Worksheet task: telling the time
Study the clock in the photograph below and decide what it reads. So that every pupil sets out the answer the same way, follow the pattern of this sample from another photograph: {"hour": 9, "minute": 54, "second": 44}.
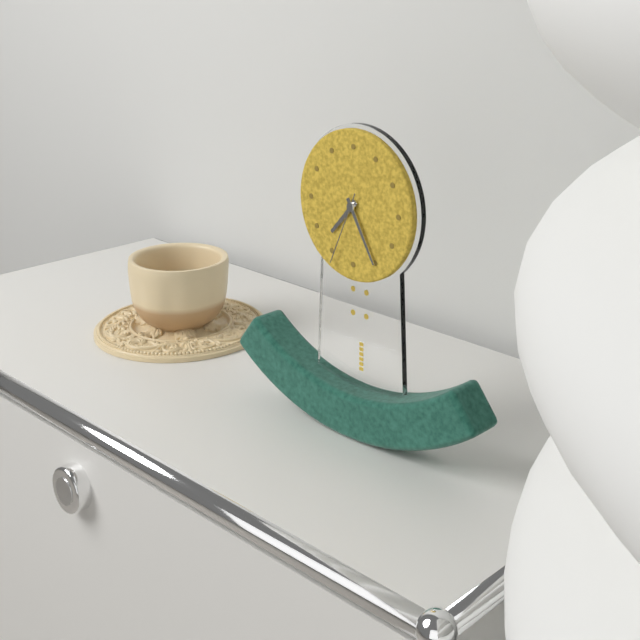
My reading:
{"hour": 7, "minute": 25, "second": 34}
